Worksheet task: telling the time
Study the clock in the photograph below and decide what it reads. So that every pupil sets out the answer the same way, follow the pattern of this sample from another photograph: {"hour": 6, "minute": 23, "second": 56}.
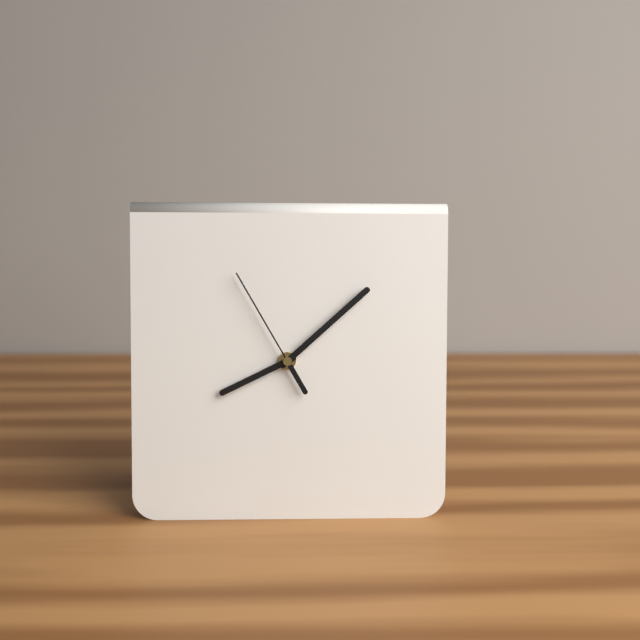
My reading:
{"hour": 8, "minute": 8, "second": 55}
